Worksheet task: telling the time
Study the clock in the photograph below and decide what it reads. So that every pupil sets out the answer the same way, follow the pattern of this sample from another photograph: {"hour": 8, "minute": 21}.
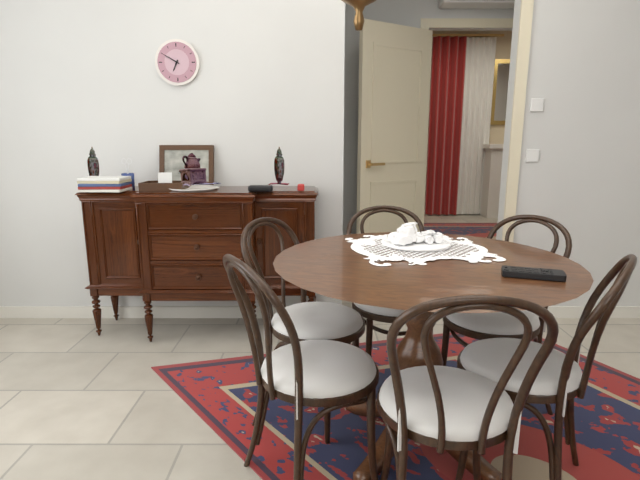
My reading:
{"hour": 6, "minute": 50}
